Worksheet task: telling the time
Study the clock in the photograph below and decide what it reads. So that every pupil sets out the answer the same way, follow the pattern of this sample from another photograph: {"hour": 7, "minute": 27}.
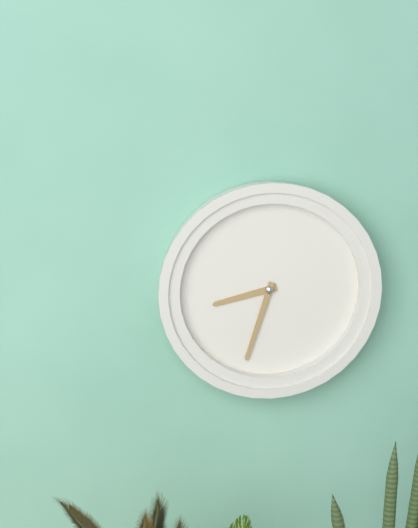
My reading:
{"hour": 8, "minute": 33}
